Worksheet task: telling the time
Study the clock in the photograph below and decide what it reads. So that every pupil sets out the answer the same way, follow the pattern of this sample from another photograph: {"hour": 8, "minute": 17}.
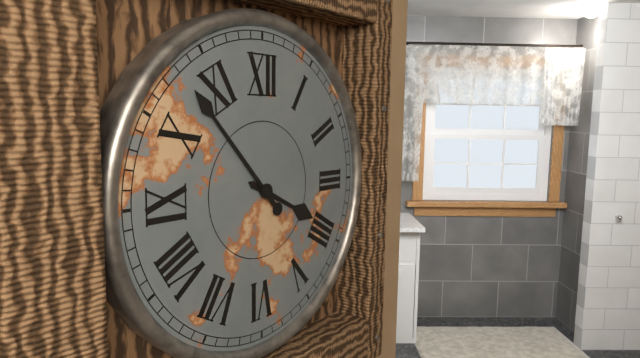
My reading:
{"hour": 3, "minute": 53}
